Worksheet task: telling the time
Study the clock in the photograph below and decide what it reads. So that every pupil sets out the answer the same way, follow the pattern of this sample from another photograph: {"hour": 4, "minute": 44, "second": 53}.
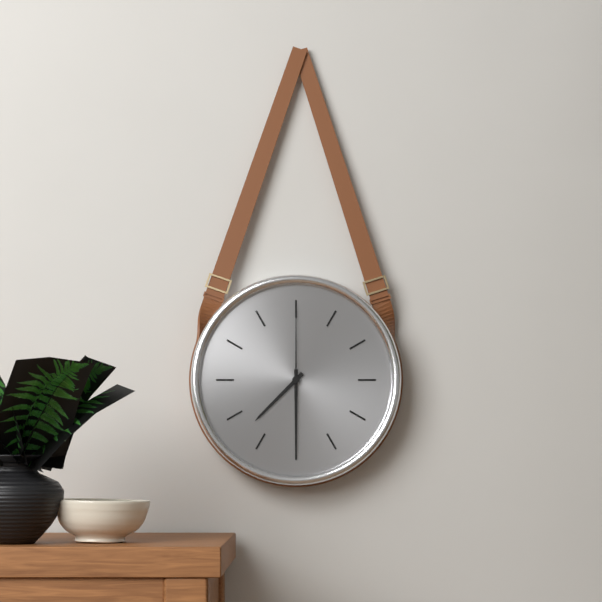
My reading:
{"hour": 7, "minute": 30, "second": 0}
